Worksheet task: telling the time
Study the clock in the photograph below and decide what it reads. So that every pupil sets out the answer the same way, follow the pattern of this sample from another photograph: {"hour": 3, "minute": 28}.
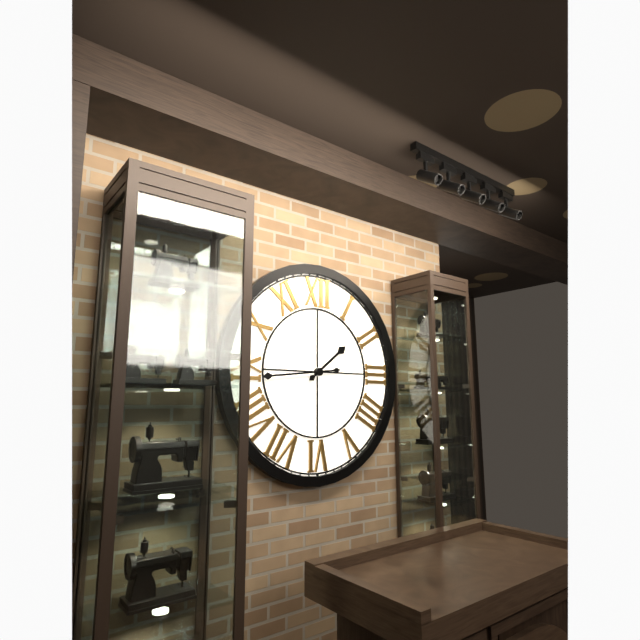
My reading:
{"hour": 1, "minute": 44}
